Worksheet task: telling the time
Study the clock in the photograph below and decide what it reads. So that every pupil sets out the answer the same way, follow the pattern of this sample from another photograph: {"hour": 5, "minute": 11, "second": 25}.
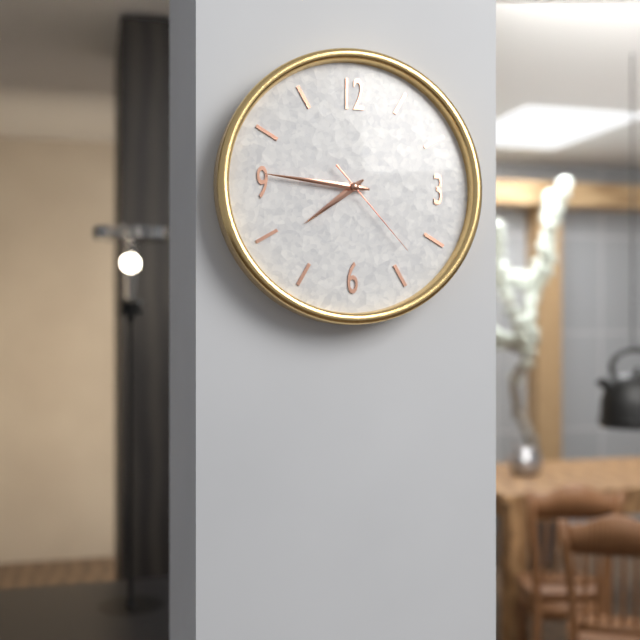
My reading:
{"hour": 7, "minute": 46, "second": 23}
